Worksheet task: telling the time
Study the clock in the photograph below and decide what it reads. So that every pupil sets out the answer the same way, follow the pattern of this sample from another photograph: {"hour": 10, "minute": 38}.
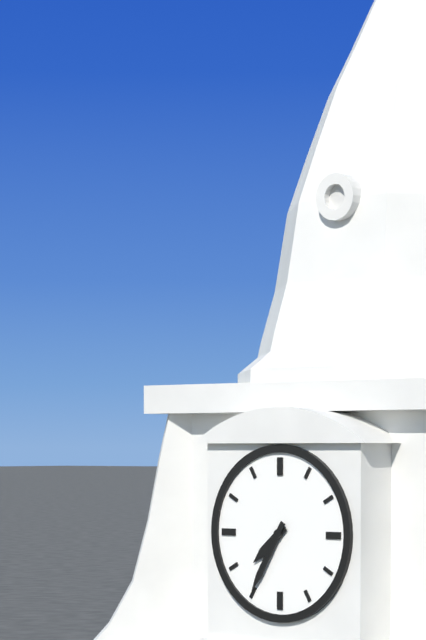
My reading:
{"hour": 7, "minute": 35}
